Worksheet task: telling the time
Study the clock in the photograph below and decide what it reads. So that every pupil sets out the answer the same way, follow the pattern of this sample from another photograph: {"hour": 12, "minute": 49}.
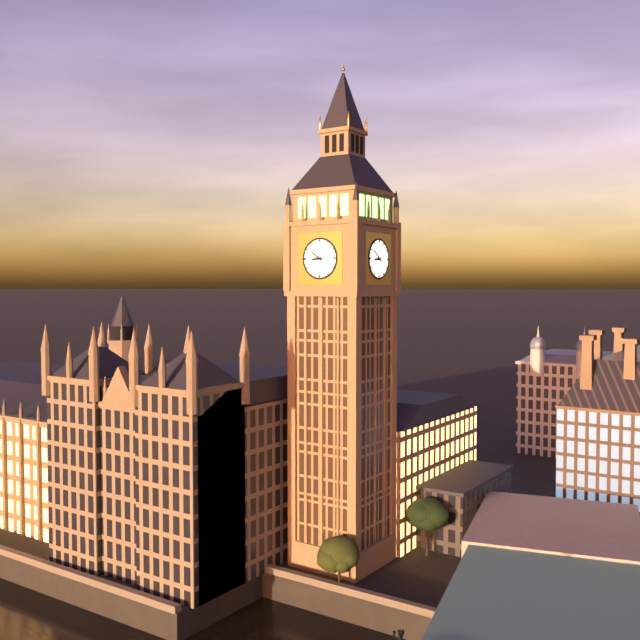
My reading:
{"hour": 8, "minute": 51}
